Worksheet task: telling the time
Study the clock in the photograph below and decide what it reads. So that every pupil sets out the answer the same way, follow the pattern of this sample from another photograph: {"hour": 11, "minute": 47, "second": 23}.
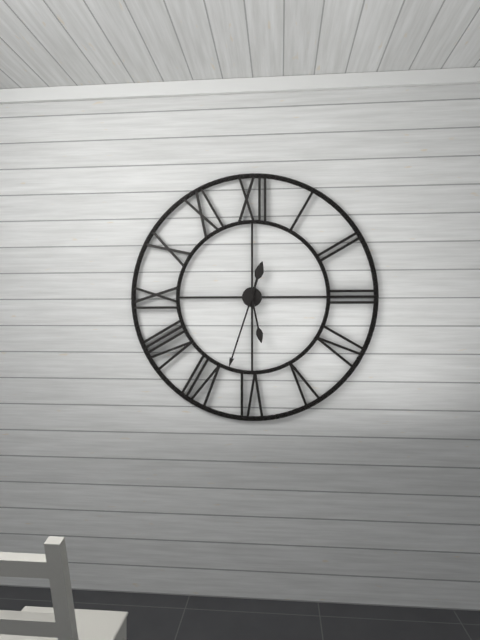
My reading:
{"hour": 12, "minute": 33, "second": 28}
